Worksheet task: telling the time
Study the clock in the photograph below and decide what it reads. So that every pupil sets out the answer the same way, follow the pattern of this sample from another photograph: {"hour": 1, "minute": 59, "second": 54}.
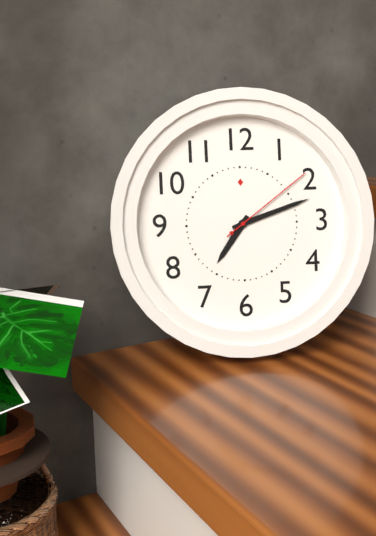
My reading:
{"hour": 7, "minute": 12, "second": 9}
